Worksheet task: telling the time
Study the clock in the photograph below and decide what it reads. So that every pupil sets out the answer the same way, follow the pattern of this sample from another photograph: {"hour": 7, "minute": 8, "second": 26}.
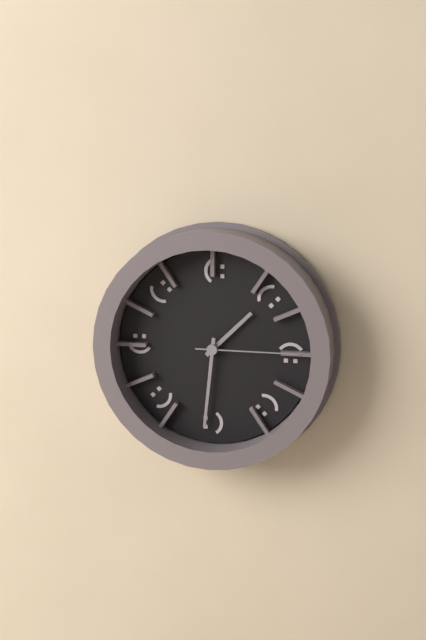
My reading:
{"hour": 1, "minute": 31, "second": 15}
